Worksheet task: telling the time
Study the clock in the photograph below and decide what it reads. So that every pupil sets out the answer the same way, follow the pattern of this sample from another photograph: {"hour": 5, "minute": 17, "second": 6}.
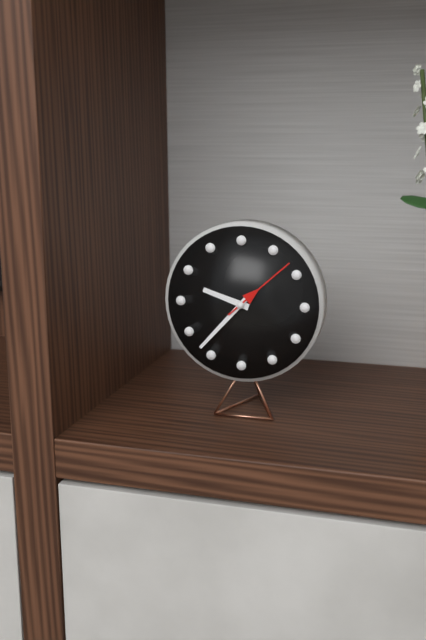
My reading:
{"hour": 9, "minute": 37, "second": 8}
